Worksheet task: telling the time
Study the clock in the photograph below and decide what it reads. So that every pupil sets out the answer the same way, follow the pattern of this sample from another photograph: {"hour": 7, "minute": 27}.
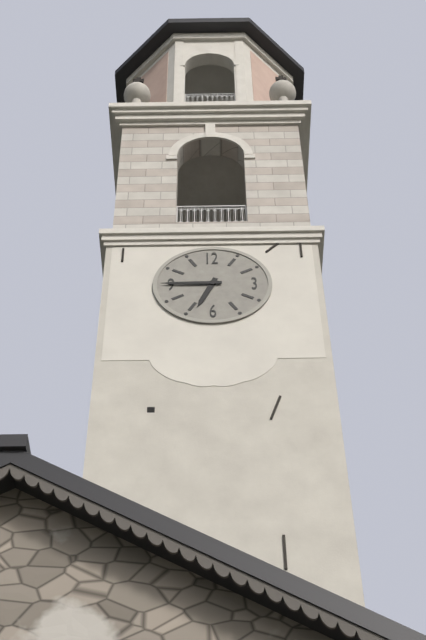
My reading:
{"hour": 6, "minute": 45}
